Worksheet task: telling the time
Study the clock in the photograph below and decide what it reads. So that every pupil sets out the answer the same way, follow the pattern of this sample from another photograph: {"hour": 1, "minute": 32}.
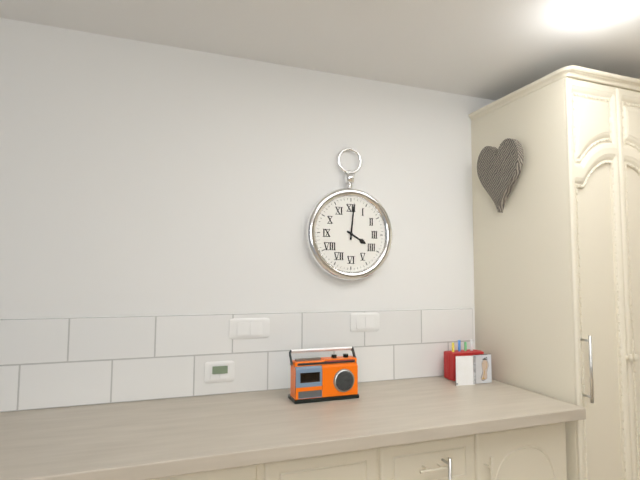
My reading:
{"hour": 4, "minute": 1}
